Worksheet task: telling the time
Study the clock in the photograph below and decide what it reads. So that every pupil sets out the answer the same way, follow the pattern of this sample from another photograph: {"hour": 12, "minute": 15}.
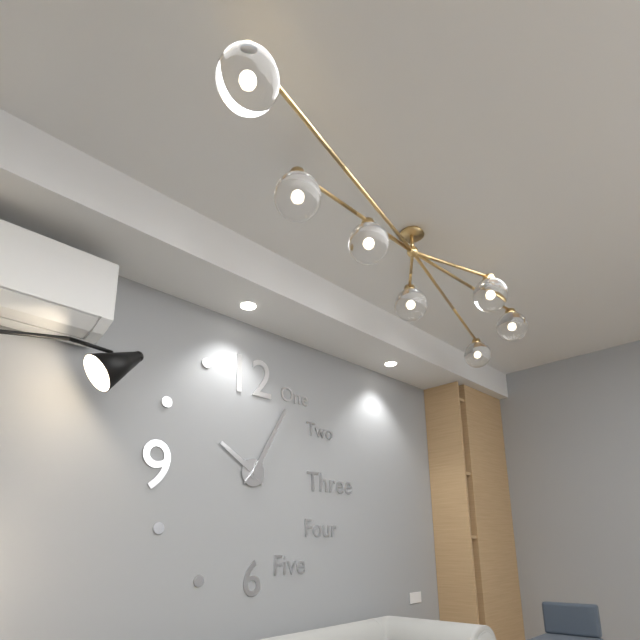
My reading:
{"hour": 10, "minute": 5}
